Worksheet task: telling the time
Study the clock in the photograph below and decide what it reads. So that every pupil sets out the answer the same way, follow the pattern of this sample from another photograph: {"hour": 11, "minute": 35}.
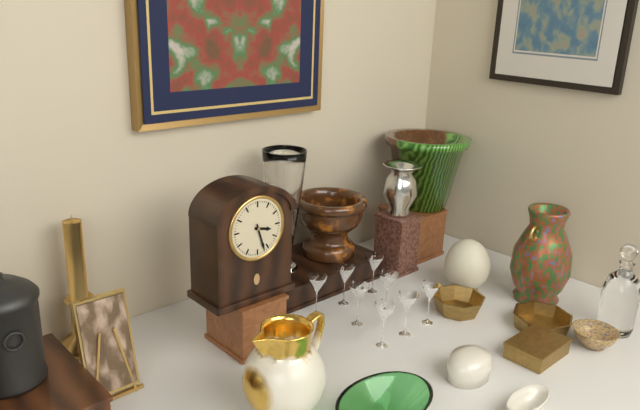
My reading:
{"hour": 3, "minute": 27}
